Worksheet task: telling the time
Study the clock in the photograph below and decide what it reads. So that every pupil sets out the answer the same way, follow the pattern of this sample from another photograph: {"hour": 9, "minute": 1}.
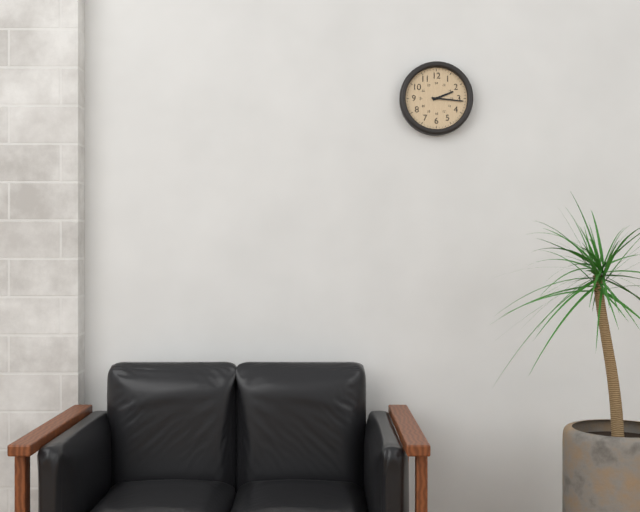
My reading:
{"hour": 2, "minute": 16}
